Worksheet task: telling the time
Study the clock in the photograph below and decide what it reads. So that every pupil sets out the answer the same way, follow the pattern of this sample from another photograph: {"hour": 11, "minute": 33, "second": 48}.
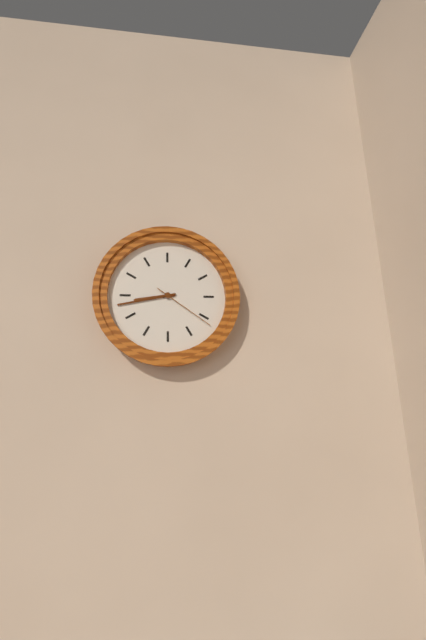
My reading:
{"hour": 8, "minute": 43, "second": 21}
